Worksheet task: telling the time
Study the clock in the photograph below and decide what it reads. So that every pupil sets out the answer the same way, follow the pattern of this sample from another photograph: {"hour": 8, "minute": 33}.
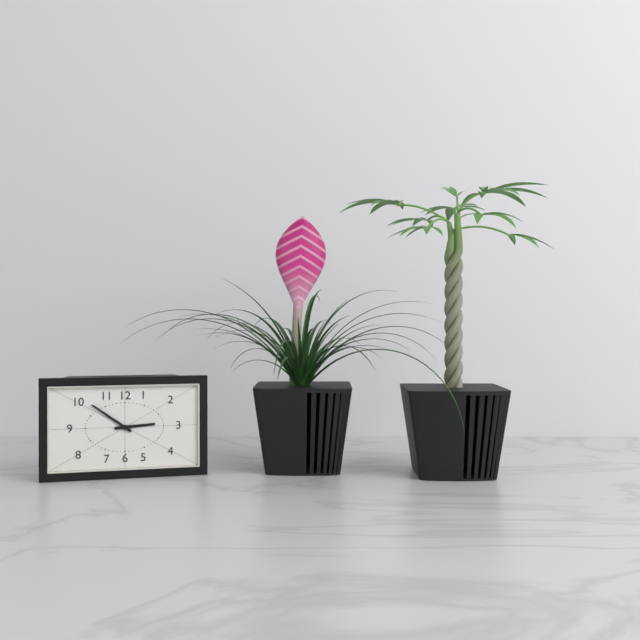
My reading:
{"hour": 2, "minute": 51}
